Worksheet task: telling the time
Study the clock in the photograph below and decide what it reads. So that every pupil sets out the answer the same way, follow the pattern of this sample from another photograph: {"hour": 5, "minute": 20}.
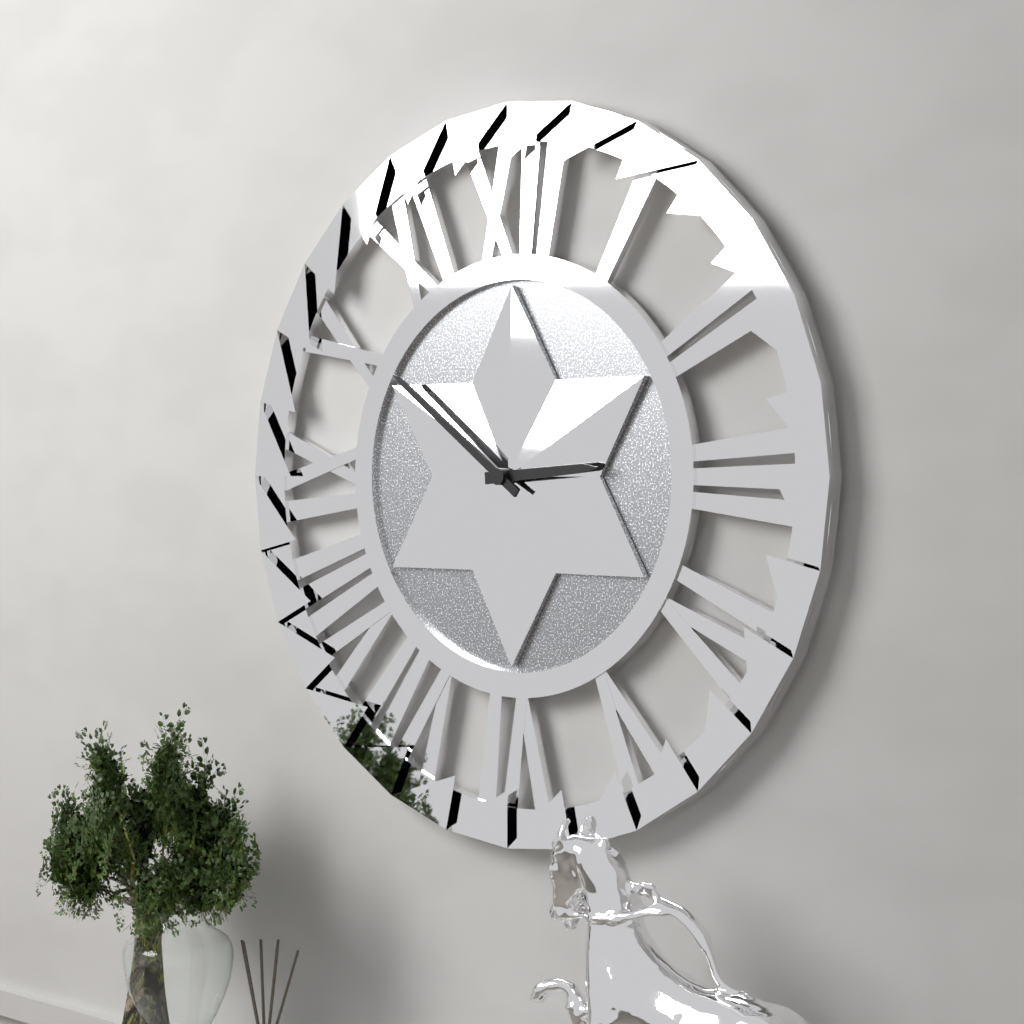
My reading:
{"hour": 2, "minute": 51}
